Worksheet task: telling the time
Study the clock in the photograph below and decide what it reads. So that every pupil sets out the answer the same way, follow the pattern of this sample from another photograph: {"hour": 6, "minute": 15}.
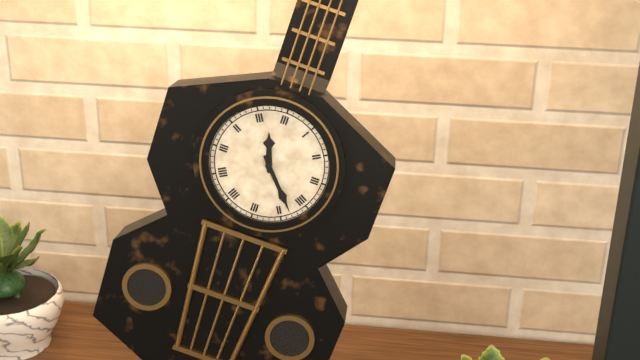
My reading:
{"hour": 11, "minute": 23}
